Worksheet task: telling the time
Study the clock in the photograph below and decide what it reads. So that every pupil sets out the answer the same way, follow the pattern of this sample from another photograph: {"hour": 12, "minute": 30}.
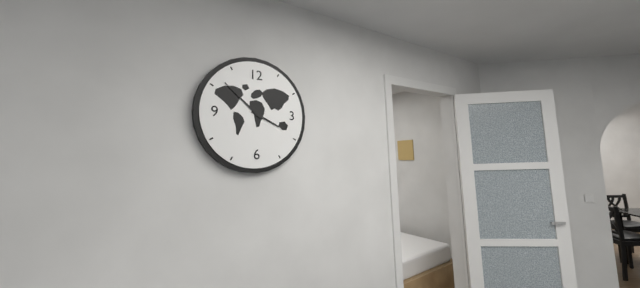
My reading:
{"hour": 3, "minute": 52}
